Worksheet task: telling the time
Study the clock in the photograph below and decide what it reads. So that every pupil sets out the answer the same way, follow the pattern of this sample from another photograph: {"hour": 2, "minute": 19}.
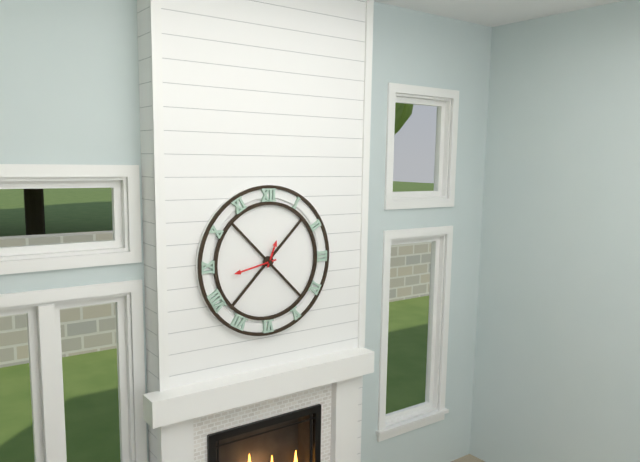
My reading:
{"hour": 12, "minute": 43}
